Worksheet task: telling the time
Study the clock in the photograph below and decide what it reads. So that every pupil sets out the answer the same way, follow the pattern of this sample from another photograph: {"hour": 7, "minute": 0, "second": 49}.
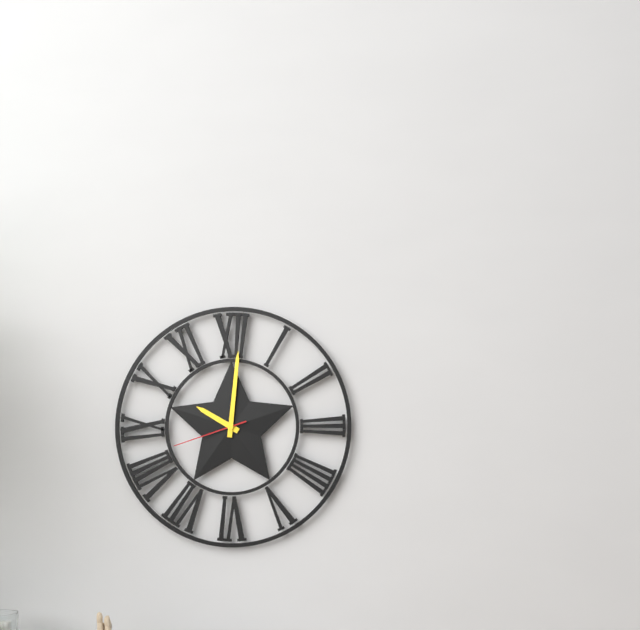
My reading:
{"hour": 10, "minute": 1, "second": 42}
